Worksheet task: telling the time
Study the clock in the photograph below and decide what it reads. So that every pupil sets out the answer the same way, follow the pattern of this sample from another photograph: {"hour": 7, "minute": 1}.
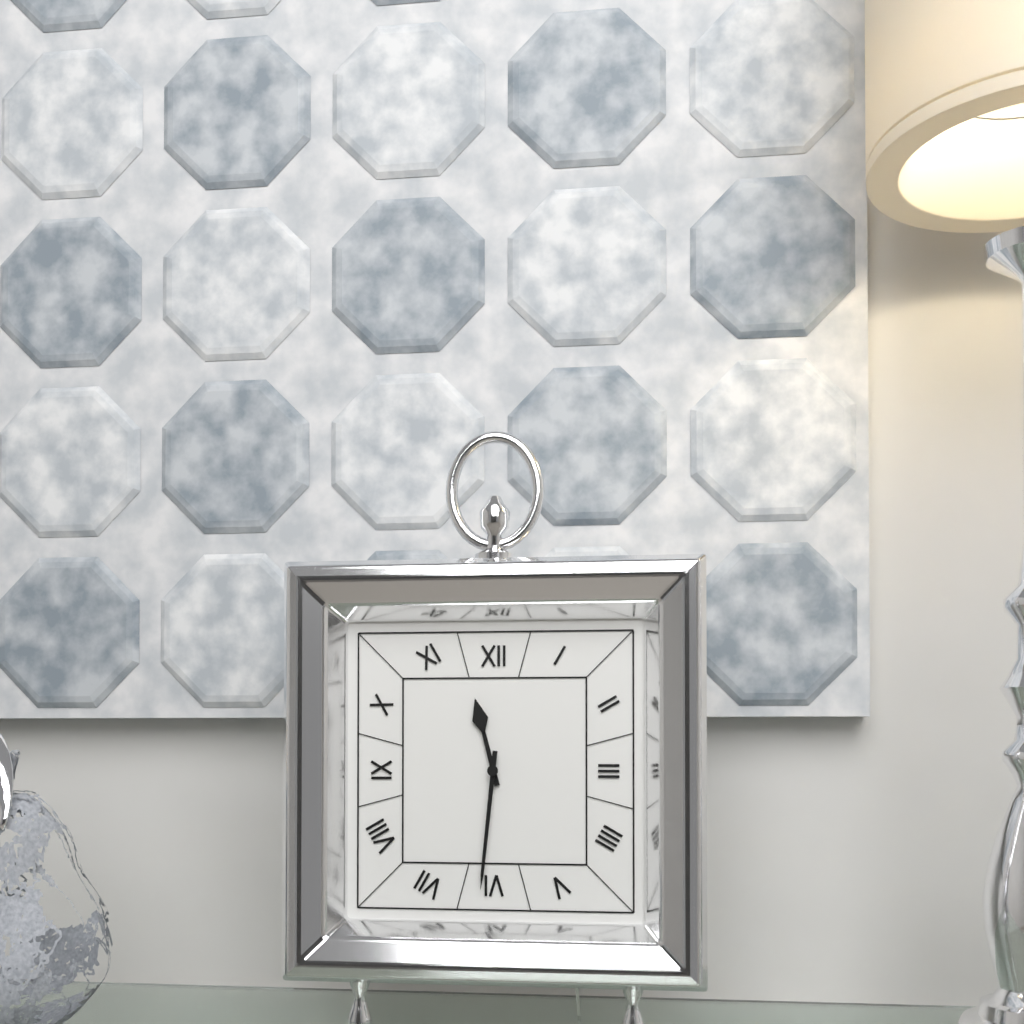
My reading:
{"hour": 11, "minute": 31}
